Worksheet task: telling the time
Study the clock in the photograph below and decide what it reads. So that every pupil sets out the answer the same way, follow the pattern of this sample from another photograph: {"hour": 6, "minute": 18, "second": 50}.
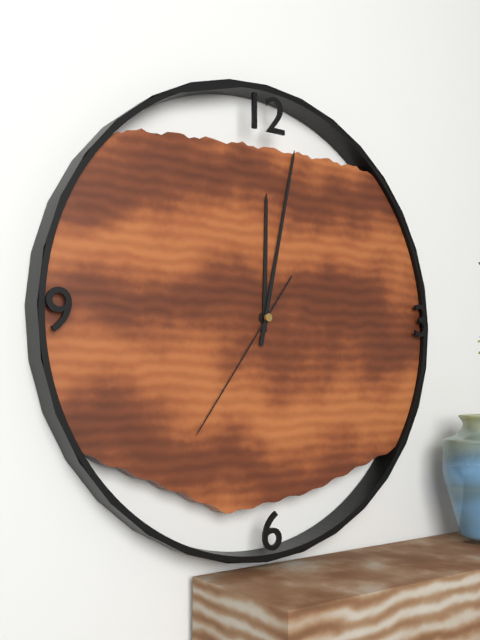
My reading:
{"hour": 12, "minute": 2, "second": 36}
